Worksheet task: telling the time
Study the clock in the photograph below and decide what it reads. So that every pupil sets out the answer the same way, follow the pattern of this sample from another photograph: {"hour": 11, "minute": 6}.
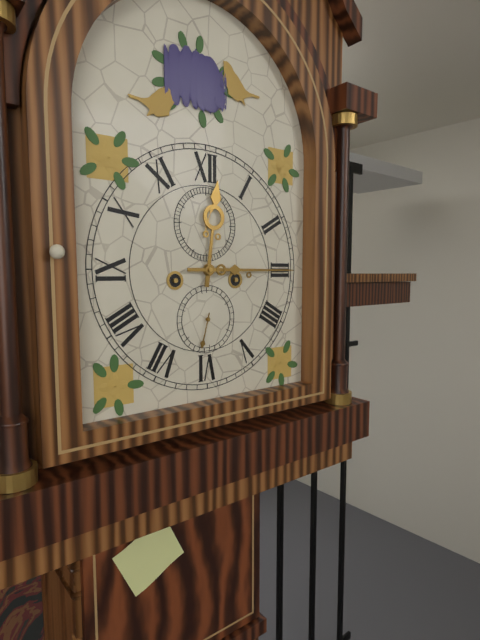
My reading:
{"hour": 12, "minute": 15}
